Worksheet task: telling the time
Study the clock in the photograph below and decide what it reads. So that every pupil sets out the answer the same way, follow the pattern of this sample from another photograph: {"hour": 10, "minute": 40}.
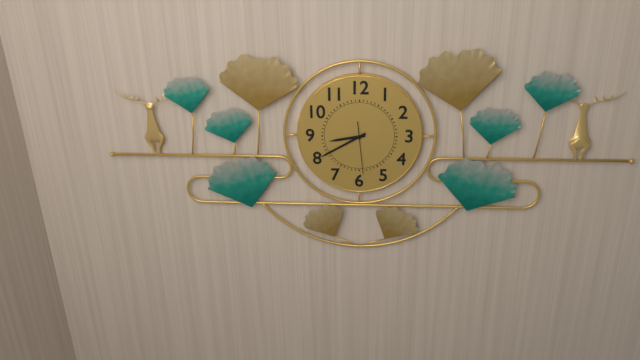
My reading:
{"hour": 8, "minute": 40}
